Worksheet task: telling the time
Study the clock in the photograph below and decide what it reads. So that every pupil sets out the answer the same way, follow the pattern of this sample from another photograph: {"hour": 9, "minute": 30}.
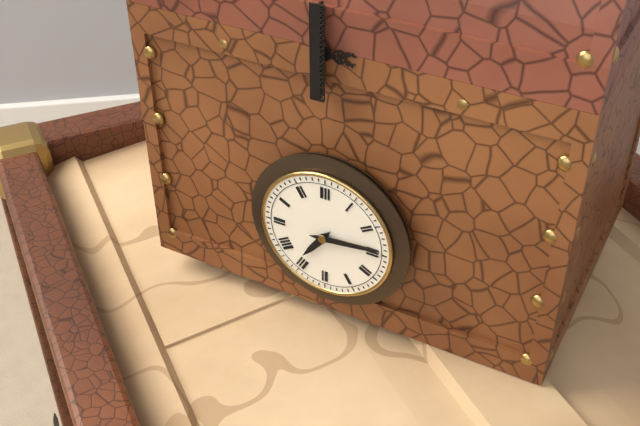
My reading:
{"hour": 7, "minute": 14}
